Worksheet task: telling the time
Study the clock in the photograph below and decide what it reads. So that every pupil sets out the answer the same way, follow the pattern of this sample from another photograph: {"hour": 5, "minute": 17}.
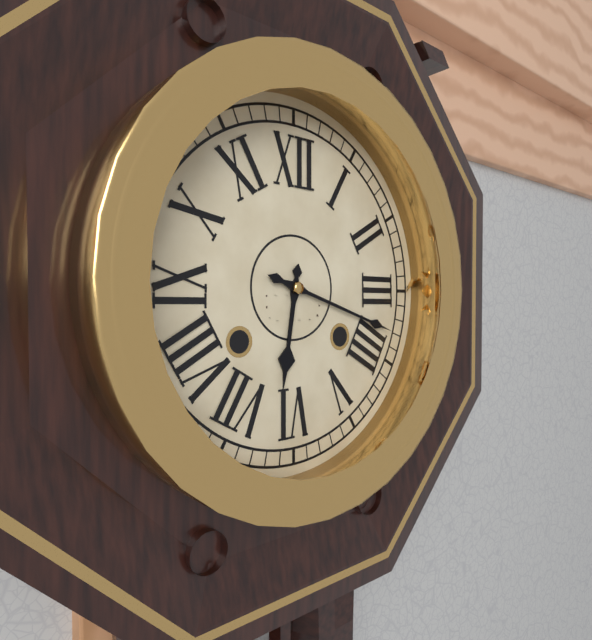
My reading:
{"hour": 6, "minute": 18}
